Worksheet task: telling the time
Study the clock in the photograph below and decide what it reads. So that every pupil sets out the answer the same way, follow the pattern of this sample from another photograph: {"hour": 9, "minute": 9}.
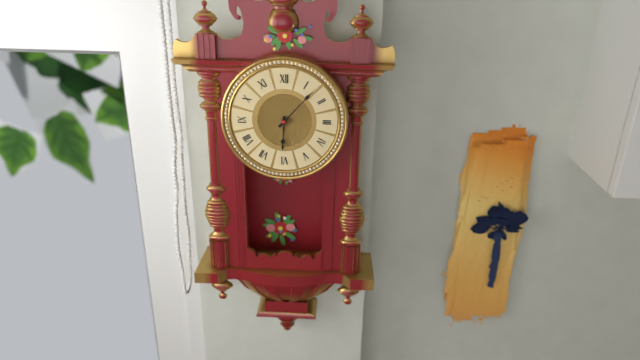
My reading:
{"hour": 6, "minute": 7}
